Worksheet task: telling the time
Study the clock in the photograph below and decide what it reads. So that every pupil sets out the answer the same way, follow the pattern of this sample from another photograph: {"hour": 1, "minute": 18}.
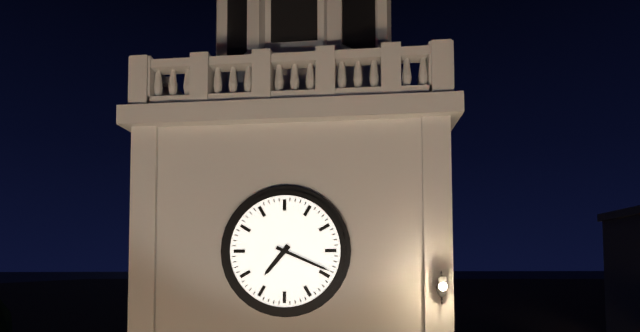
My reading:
{"hour": 7, "minute": 19}
